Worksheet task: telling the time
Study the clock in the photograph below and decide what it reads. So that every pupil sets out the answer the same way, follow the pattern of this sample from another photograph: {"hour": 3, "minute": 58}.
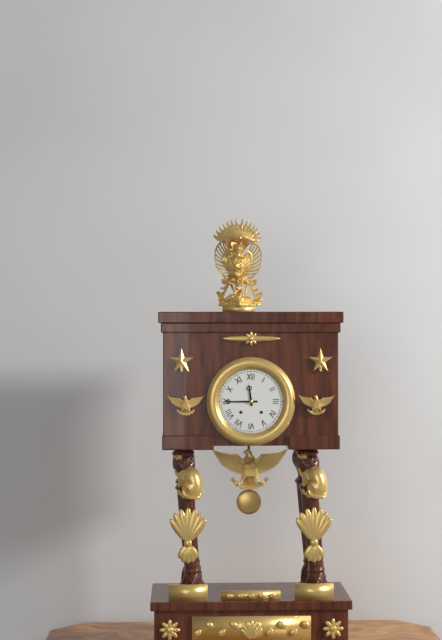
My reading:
{"hour": 11, "minute": 45}
